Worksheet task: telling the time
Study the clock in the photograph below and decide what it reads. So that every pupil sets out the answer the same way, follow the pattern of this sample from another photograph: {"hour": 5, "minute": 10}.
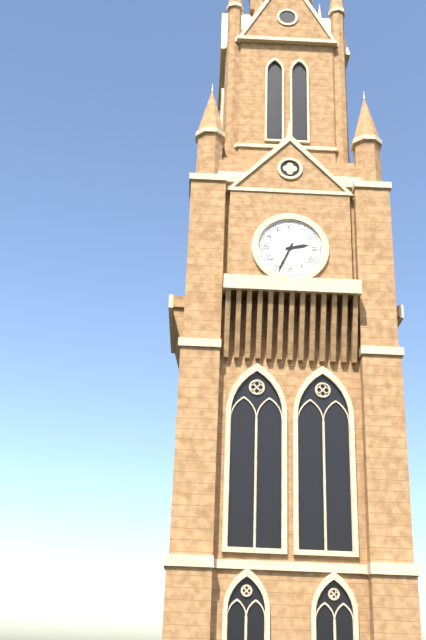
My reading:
{"hour": 2, "minute": 34}
